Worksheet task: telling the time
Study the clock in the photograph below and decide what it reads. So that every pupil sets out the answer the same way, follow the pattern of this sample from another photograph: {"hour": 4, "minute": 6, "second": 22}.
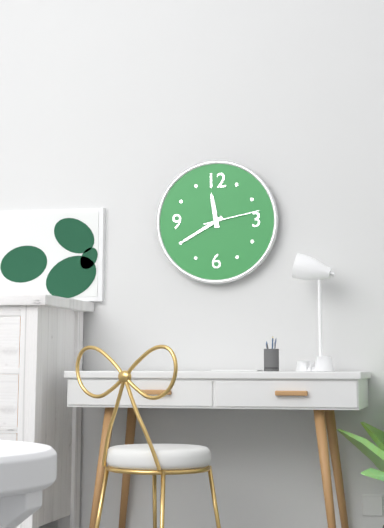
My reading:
{"hour": 11, "minute": 40, "second": 13}
